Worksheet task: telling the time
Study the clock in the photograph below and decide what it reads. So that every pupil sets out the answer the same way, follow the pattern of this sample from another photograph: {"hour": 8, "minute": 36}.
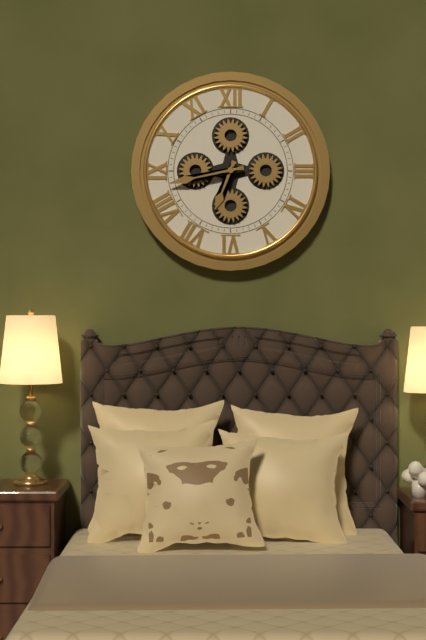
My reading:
{"hour": 6, "minute": 43}
